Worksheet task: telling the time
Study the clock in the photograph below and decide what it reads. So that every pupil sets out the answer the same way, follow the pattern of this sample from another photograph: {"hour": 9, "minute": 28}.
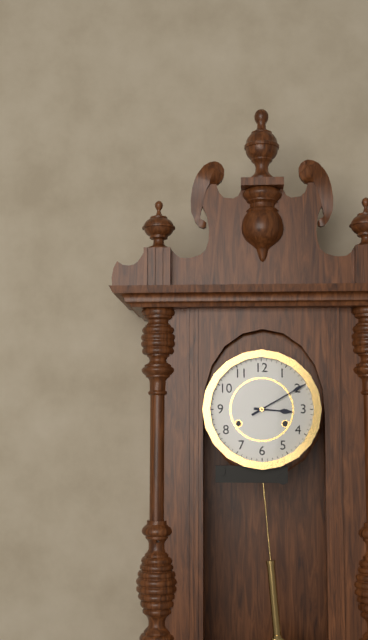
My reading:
{"hour": 3, "minute": 10}
